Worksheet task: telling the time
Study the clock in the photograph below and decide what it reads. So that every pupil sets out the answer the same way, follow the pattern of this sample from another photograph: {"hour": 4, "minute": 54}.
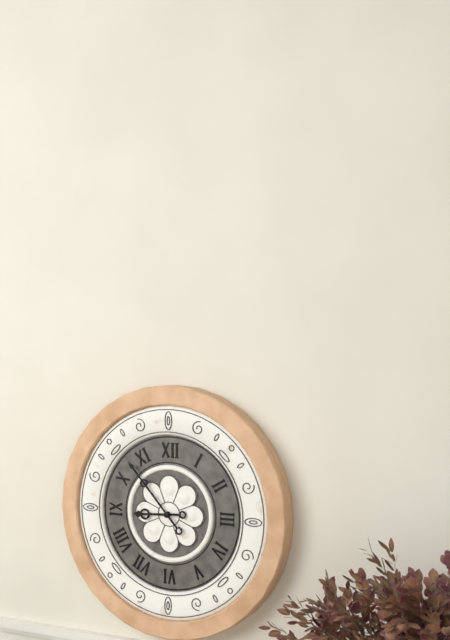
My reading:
{"hour": 8, "minute": 53}
